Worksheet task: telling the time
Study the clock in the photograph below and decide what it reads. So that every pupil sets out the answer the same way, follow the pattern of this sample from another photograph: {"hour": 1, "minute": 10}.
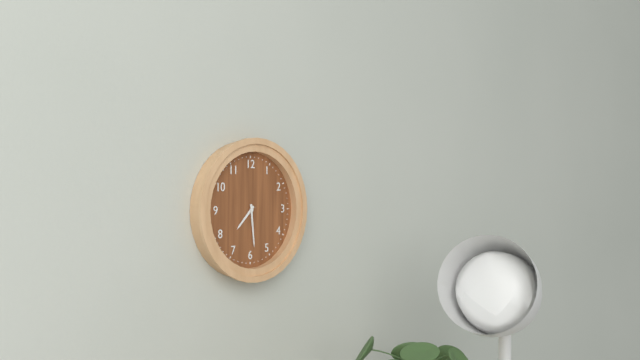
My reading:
{"hour": 7, "minute": 29}
